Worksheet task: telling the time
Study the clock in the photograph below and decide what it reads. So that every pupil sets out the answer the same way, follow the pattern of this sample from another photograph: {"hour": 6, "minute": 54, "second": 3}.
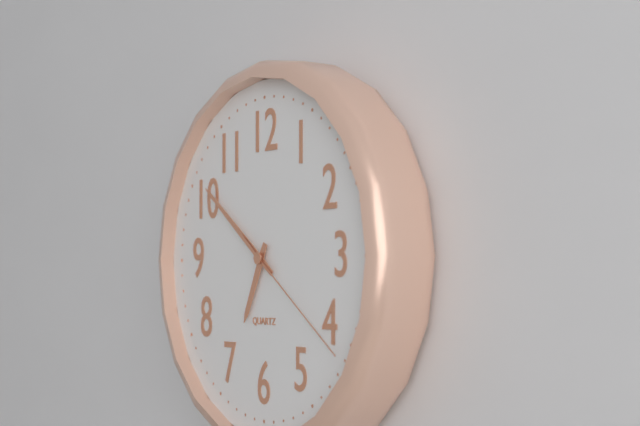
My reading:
{"hour": 6, "minute": 51, "second": 21}
